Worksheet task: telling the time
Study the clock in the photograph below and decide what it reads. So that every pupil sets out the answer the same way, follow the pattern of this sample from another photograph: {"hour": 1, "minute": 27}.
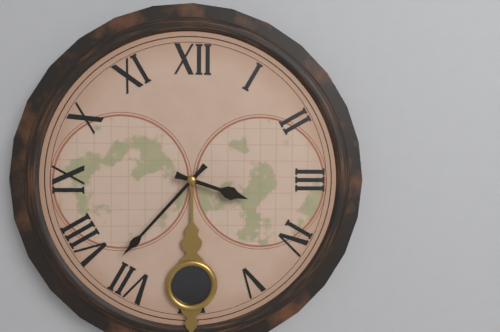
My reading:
{"hour": 3, "minute": 37}
